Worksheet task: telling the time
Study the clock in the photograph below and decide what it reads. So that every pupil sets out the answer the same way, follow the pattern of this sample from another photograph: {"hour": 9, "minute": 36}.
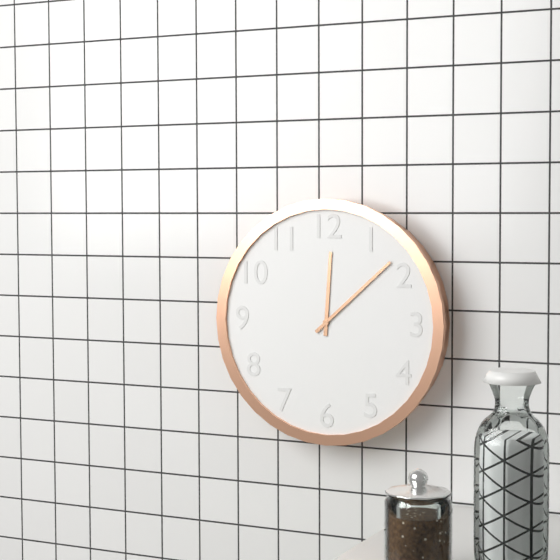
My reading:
{"hour": 12, "minute": 8}
